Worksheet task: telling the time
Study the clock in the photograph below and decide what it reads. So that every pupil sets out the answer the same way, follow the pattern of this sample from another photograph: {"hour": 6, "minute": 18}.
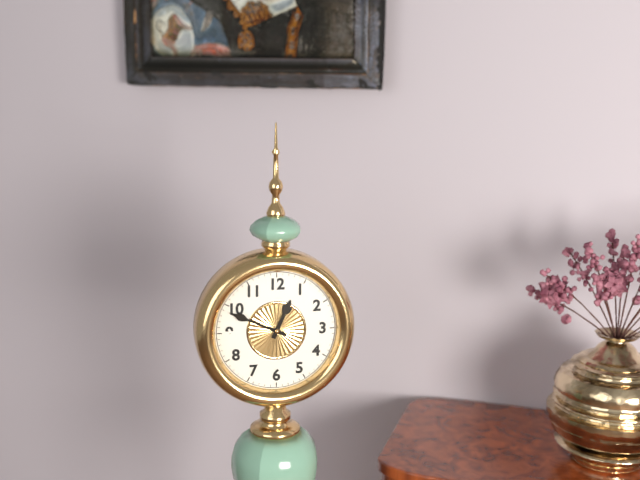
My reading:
{"hour": 12, "minute": 49}
